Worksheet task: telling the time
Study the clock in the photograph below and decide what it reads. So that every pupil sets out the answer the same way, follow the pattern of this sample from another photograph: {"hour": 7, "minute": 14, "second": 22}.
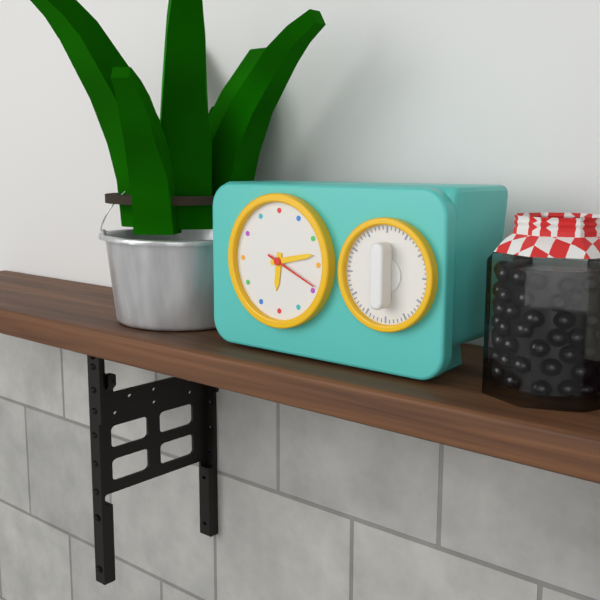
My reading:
{"hour": 6, "minute": 13, "second": 19}
